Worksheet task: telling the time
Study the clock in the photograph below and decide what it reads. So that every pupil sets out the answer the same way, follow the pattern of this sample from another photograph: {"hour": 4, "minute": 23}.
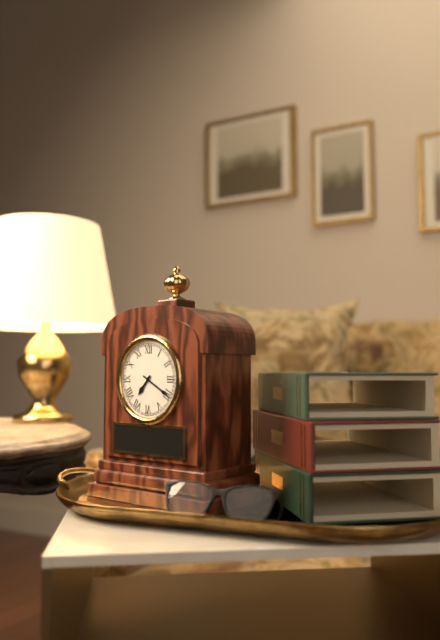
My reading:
{"hour": 7, "minute": 20}
